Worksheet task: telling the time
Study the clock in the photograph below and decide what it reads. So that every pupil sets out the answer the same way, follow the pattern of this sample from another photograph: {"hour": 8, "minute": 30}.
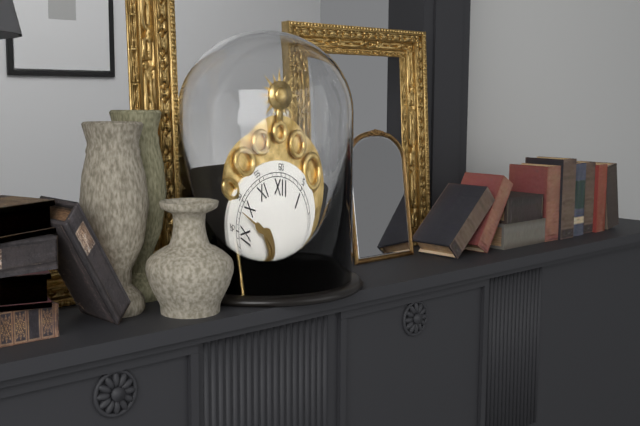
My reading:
{"hour": 9, "minute": 48}
